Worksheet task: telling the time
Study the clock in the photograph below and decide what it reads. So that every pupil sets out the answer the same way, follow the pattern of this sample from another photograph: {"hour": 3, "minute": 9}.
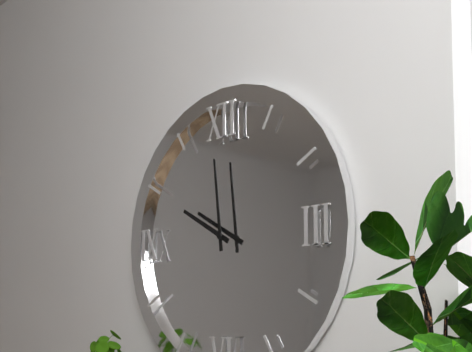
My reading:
{"hour": 9, "minute": 59}
